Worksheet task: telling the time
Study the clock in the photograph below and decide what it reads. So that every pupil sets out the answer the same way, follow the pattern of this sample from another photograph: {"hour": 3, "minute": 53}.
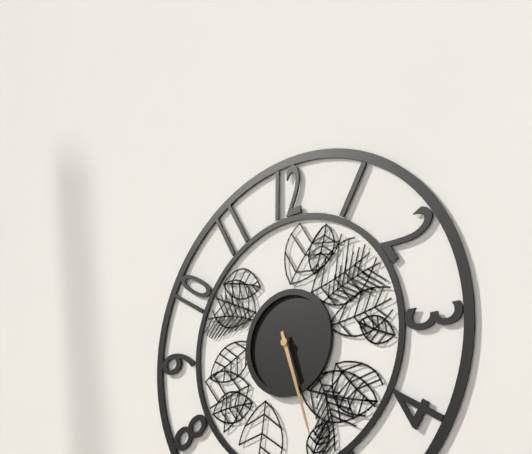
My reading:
{"hour": 5, "minute": 27}
